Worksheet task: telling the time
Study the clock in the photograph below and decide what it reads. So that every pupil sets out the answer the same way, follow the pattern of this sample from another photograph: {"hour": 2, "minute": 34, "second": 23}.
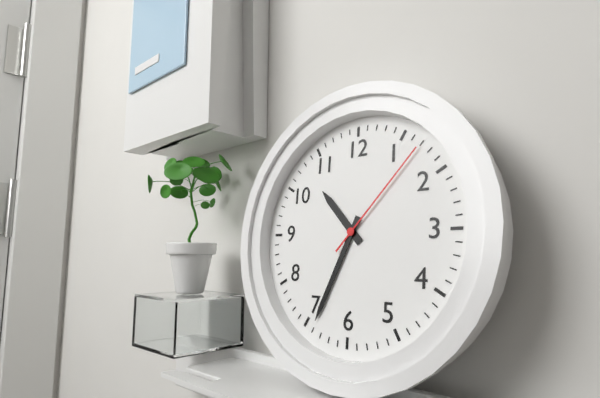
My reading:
{"hour": 10, "minute": 34, "second": 7}
